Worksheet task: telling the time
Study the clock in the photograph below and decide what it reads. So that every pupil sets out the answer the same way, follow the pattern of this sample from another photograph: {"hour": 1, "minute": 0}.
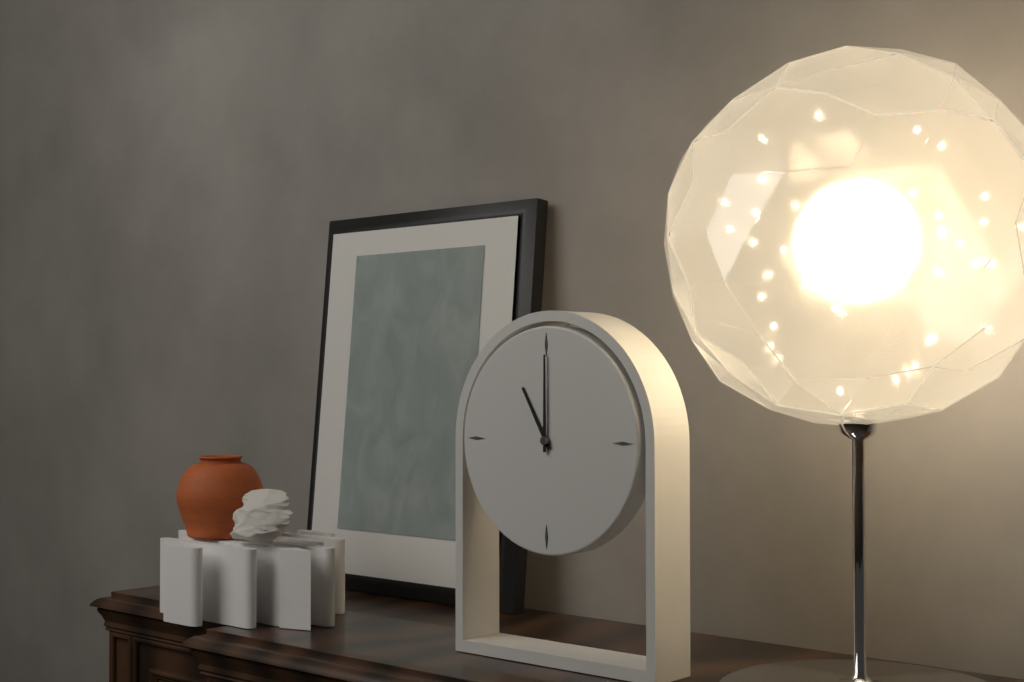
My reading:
{"hour": 11, "minute": 0}
